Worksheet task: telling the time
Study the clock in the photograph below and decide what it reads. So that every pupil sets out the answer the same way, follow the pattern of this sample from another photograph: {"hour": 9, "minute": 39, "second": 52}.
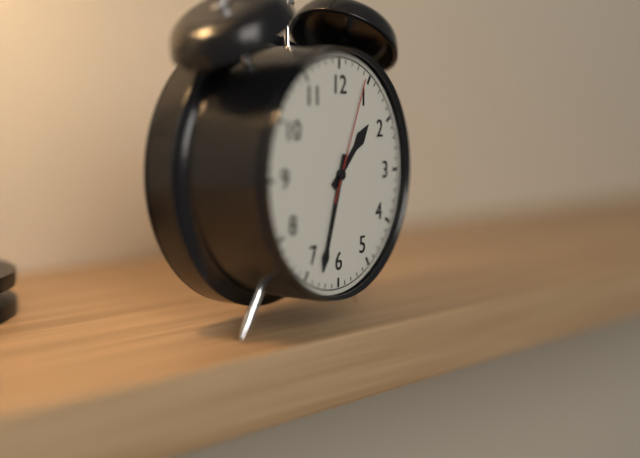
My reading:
{"hour": 1, "minute": 33, "second": 4}
